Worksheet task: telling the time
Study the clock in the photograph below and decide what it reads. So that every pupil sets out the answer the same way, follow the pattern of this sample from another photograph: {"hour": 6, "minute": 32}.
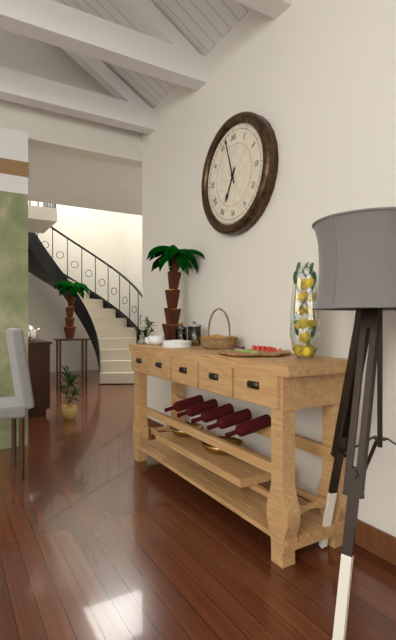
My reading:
{"hour": 6, "minute": 57}
